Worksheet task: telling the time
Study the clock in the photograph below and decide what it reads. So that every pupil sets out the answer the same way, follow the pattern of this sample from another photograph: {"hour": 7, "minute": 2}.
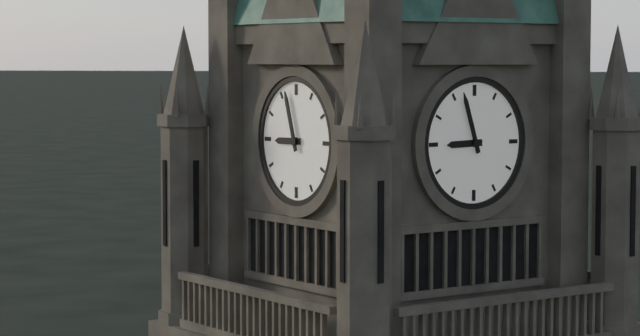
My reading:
{"hour": 8, "minute": 57}
